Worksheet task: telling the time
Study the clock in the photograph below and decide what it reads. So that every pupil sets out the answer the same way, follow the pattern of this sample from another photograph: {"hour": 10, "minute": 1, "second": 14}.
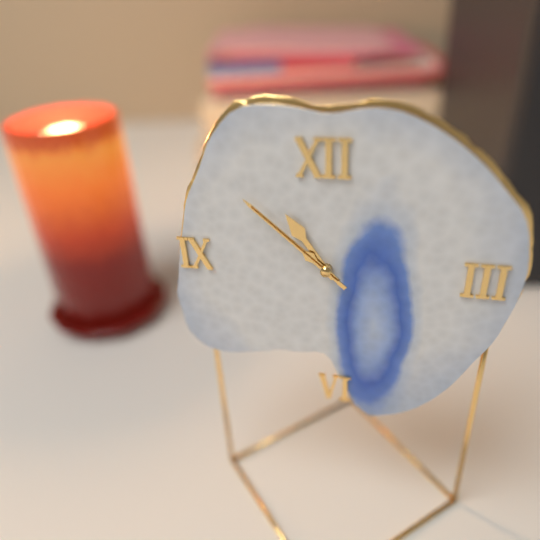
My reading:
{"hour": 10, "minute": 52, "second": 52}
